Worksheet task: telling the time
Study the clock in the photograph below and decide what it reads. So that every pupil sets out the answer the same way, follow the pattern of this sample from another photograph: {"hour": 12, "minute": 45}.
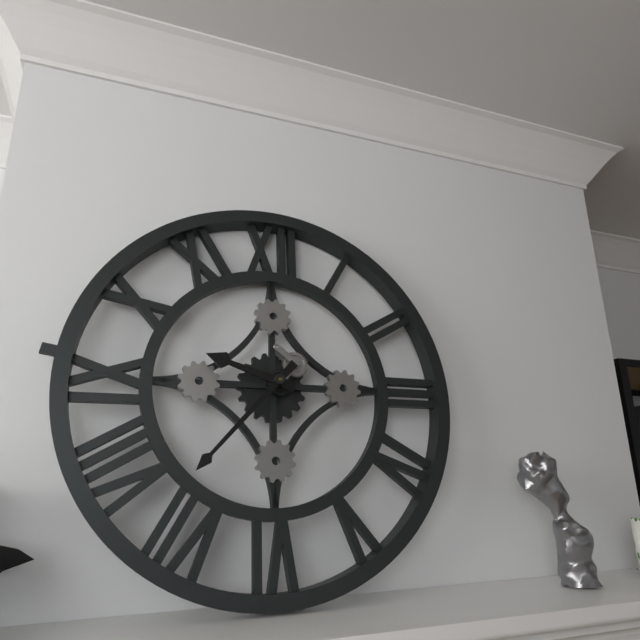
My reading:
{"hour": 9, "minute": 37}
